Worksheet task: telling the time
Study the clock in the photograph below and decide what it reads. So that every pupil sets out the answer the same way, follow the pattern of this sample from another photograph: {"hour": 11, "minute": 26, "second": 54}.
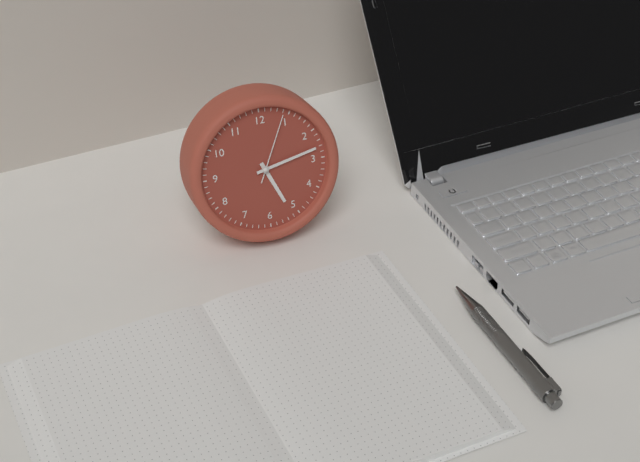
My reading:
{"hour": 5, "minute": 13, "second": 4}
